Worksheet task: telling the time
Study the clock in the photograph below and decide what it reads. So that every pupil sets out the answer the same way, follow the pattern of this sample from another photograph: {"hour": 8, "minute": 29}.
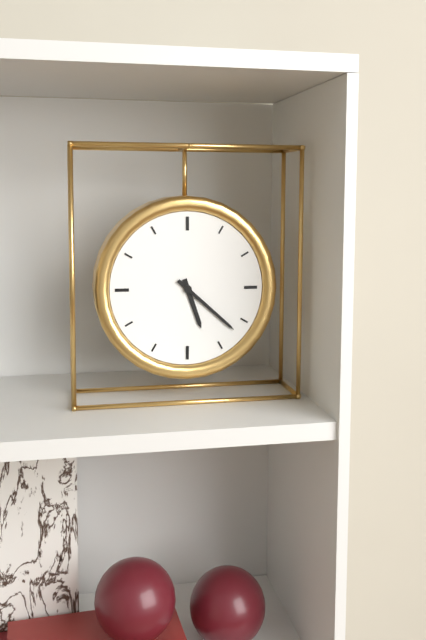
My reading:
{"hour": 5, "minute": 22}
